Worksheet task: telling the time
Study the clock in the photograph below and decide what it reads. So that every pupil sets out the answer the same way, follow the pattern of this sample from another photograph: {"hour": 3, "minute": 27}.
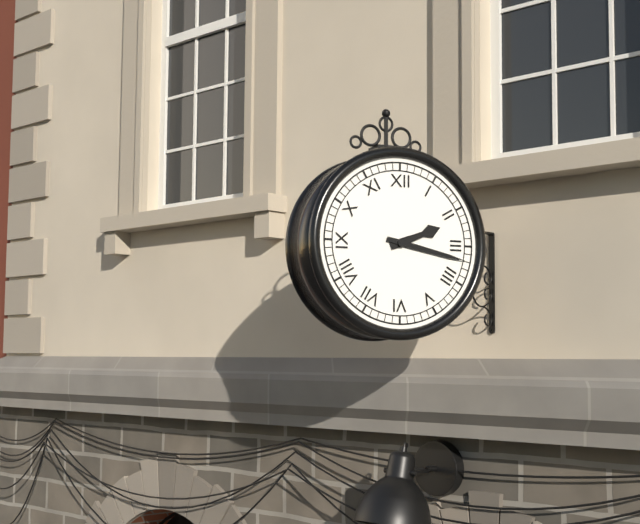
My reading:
{"hour": 2, "minute": 17}
